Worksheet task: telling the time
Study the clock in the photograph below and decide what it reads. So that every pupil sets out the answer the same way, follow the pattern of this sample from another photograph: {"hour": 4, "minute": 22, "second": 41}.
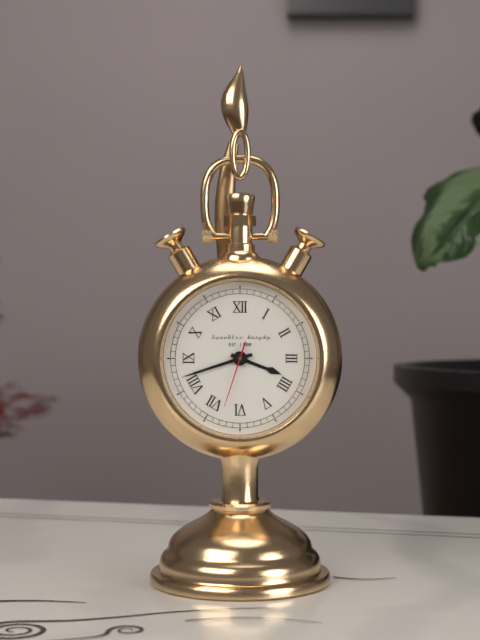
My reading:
{"hour": 3, "minute": 42, "second": 33}
